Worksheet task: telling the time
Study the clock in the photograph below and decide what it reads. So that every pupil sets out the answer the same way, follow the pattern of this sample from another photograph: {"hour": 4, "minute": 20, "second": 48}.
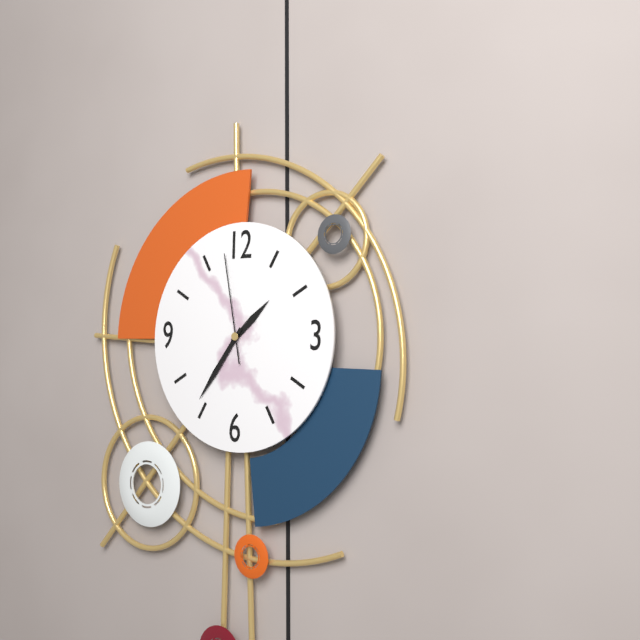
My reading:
{"hour": 1, "minute": 36, "second": 58}
